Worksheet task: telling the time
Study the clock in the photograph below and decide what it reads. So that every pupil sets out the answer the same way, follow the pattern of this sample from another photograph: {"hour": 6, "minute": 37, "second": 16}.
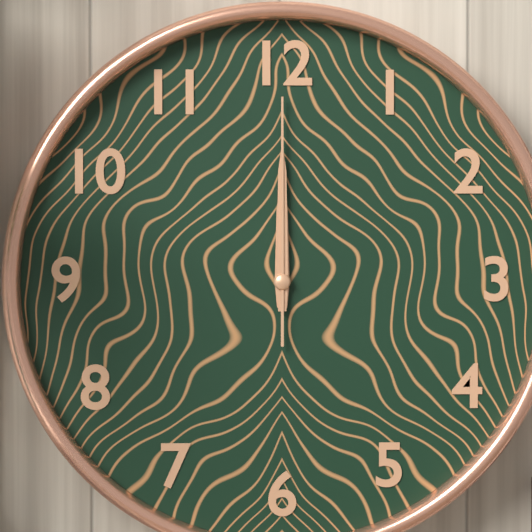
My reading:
{"hour": 12, "minute": 0, "second": 0}
